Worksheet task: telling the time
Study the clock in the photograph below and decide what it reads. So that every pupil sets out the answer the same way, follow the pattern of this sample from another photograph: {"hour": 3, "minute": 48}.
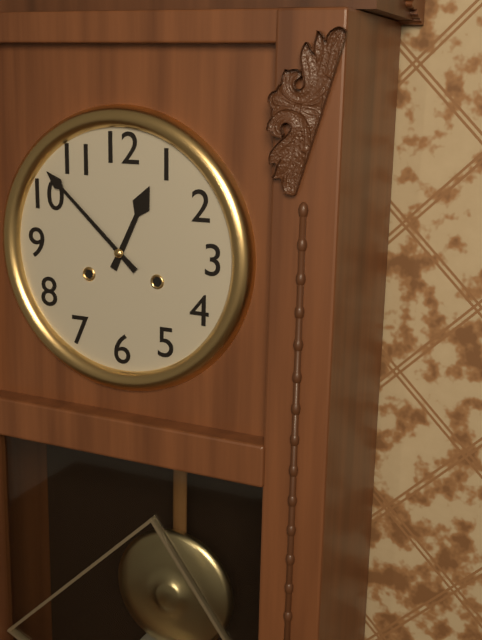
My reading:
{"hour": 12, "minute": 52}
